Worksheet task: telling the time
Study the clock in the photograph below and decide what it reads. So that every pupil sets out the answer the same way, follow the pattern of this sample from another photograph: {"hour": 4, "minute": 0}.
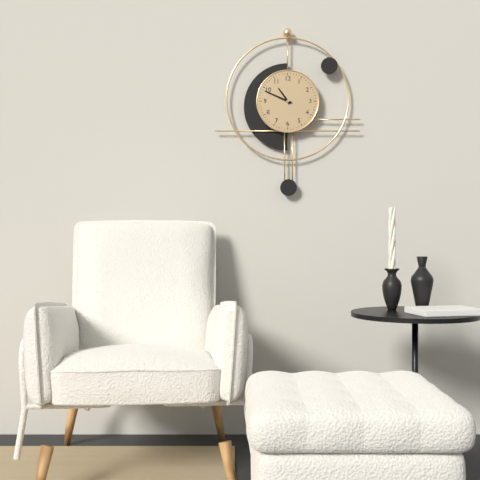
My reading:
{"hour": 10, "minute": 49}
